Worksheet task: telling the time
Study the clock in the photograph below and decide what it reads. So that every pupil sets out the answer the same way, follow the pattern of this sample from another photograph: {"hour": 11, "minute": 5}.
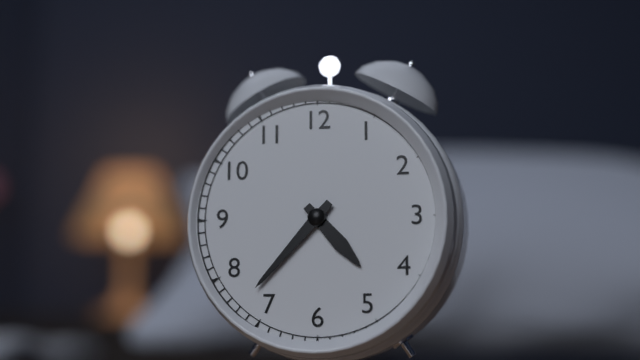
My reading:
{"hour": 4, "minute": 37}
